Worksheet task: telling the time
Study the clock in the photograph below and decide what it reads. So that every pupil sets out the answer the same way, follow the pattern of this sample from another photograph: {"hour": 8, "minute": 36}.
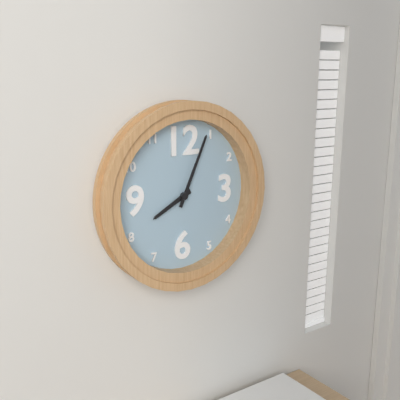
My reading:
{"hour": 8, "minute": 4}
